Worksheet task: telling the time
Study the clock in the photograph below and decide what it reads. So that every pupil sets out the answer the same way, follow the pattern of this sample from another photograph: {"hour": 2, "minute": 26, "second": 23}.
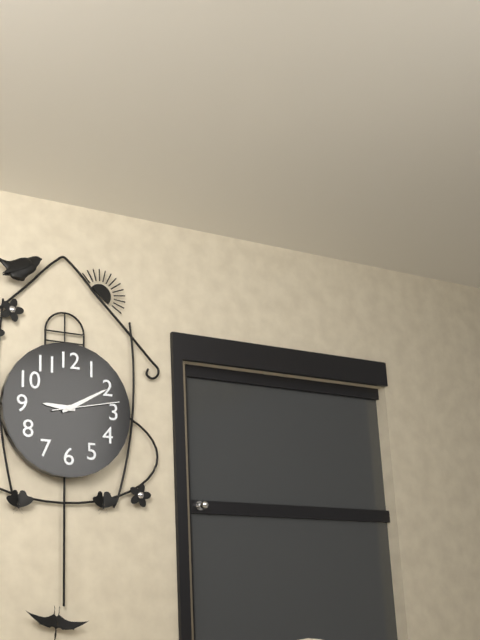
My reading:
{"hour": 9, "minute": 10, "second": 13}
